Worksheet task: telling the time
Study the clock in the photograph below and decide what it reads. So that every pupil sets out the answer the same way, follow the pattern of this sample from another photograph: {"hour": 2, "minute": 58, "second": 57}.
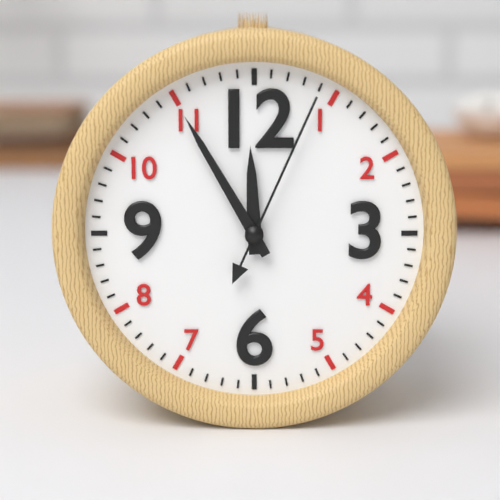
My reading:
{"hour": 11, "minute": 55, "second": 4}
